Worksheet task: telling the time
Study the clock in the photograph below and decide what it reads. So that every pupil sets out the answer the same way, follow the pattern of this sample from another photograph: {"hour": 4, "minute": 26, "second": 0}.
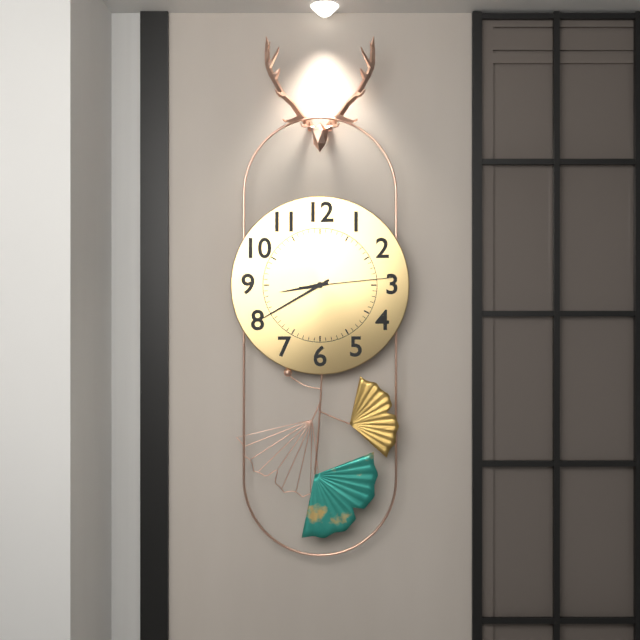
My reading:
{"hour": 8, "minute": 40, "second": 14}
